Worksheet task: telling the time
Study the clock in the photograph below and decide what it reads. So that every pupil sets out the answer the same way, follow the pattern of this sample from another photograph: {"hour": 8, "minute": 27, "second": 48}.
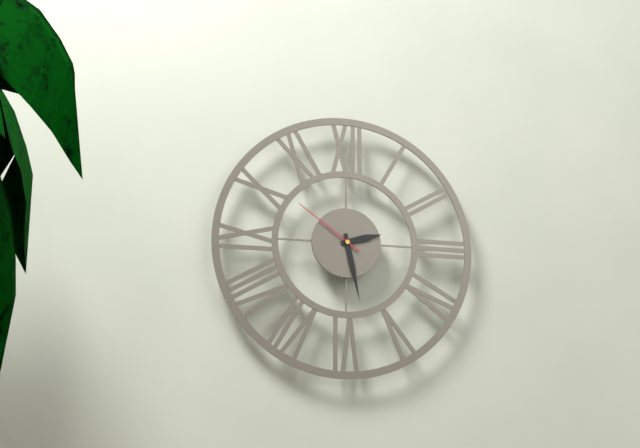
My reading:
{"hour": 2, "minute": 28, "second": 51}
